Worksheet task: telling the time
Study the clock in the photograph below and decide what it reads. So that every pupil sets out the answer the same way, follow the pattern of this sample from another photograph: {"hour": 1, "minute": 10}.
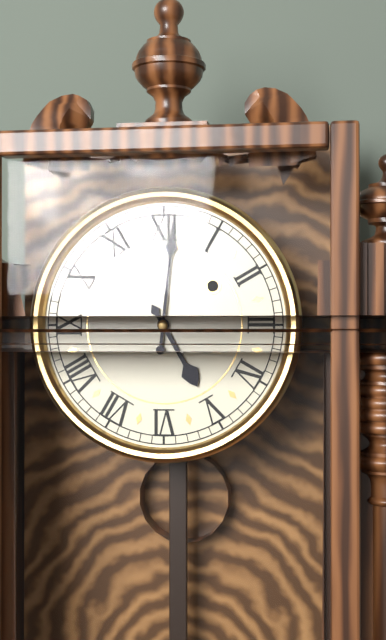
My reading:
{"hour": 5, "minute": 1}
